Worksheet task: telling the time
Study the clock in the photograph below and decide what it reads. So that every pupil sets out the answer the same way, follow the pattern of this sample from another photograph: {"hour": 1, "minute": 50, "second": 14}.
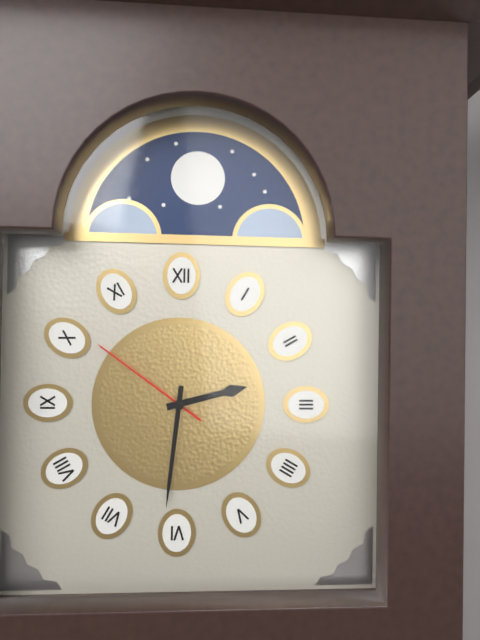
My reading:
{"hour": 2, "minute": 31, "second": 51}
